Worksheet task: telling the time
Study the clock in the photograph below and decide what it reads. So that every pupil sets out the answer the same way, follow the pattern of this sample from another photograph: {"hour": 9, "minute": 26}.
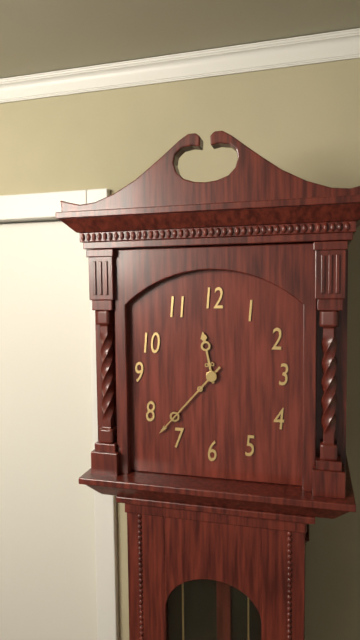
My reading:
{"hour": 11, "minute": 37}
